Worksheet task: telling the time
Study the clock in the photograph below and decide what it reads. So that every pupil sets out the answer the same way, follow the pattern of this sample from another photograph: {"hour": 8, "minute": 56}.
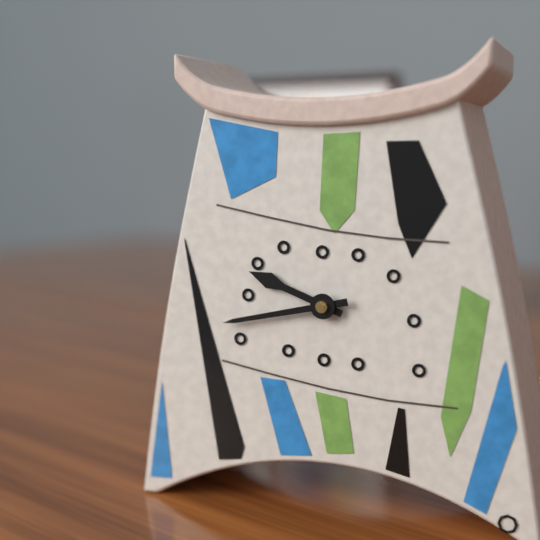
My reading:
{"hour": 9, "minute": 43}
